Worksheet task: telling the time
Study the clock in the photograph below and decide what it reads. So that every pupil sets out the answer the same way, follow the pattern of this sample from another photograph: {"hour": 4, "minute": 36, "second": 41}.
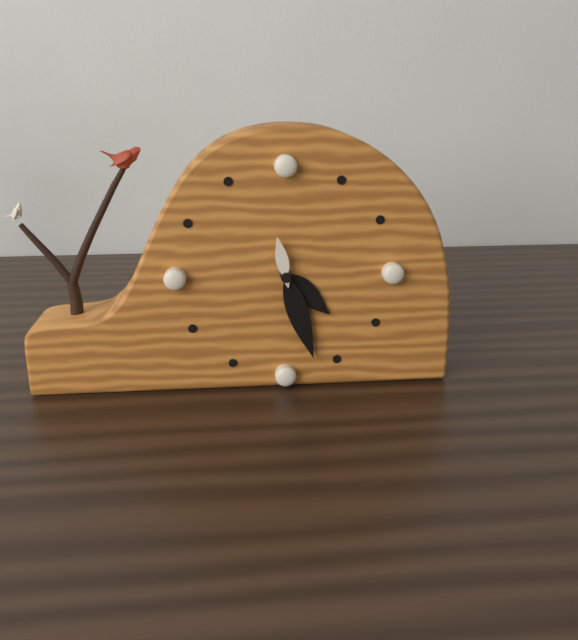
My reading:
{"hour": 4, "minute": 27, "second": 58}
